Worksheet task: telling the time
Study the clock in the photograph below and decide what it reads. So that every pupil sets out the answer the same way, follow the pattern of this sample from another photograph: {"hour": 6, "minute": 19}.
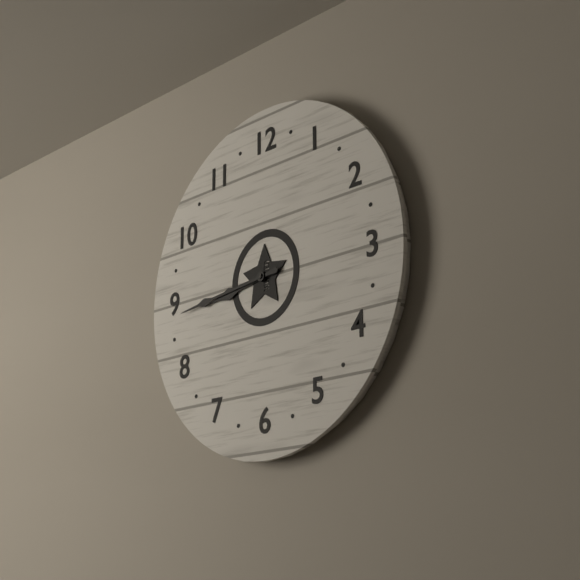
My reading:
{"hour": 8, "minute": 44}
